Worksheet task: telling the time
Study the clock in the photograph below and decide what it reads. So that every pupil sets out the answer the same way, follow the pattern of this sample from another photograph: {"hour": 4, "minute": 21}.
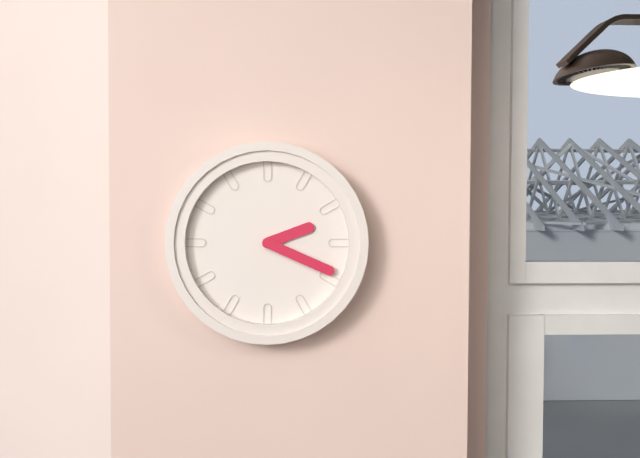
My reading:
{"hour": 2, "minute": 19}
